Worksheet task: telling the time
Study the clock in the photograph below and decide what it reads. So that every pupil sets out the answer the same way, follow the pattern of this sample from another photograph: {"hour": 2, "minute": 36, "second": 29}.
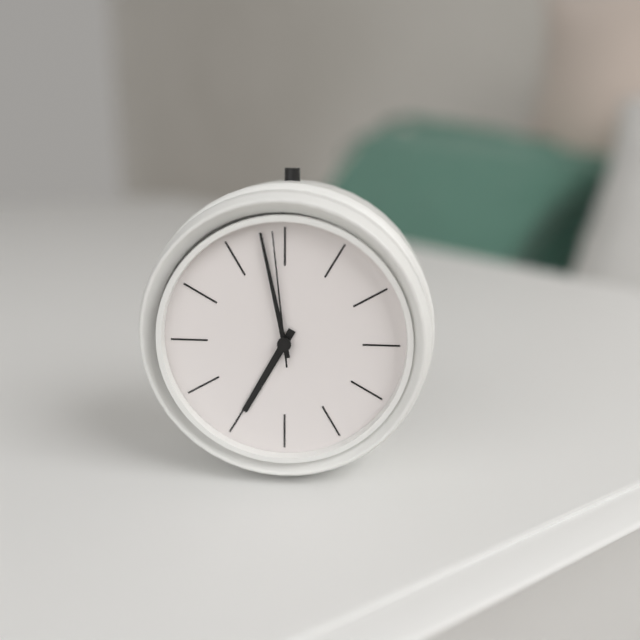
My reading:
{"hour": 6, "minute": 58, "second": 59}
